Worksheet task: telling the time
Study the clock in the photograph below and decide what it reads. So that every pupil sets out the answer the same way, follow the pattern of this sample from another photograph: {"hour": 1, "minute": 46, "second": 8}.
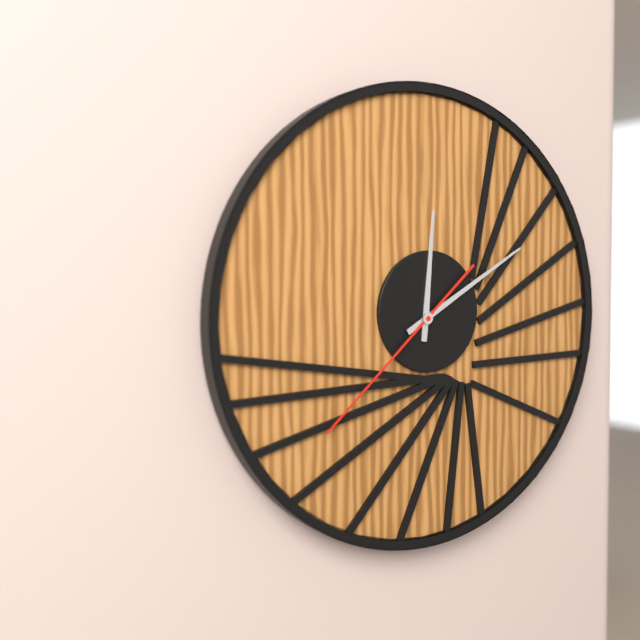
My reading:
{"hour": 12, "minute": 10, "second": 38}
